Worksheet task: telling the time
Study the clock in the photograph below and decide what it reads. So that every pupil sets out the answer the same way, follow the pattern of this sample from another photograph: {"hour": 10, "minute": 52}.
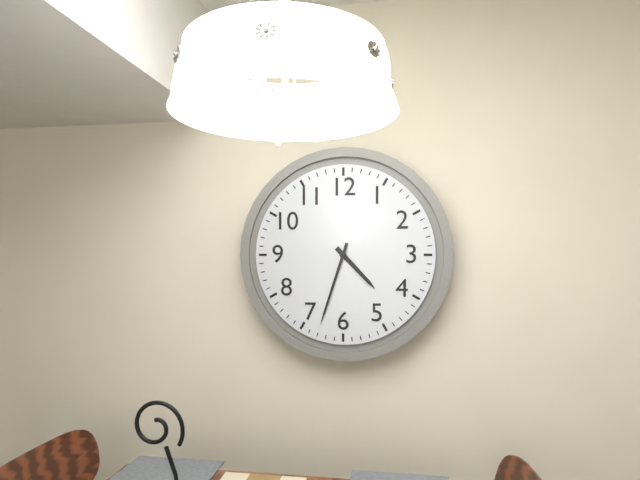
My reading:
{"hour": 4, "minute": 33}
